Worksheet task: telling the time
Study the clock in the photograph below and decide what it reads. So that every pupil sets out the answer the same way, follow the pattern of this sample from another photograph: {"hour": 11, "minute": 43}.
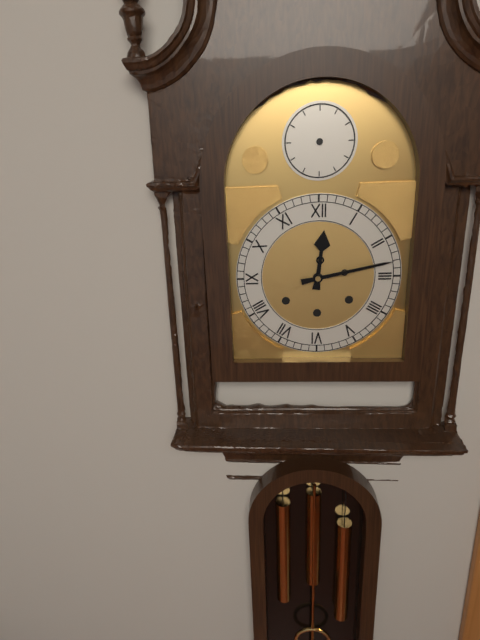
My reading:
{"hour": 12, "minute": 13}
